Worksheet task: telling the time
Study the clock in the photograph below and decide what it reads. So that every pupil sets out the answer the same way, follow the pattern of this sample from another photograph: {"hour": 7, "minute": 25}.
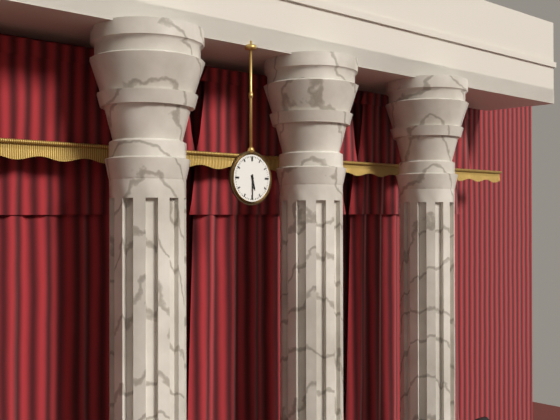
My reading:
{"hour": 5, "minute": 30}
